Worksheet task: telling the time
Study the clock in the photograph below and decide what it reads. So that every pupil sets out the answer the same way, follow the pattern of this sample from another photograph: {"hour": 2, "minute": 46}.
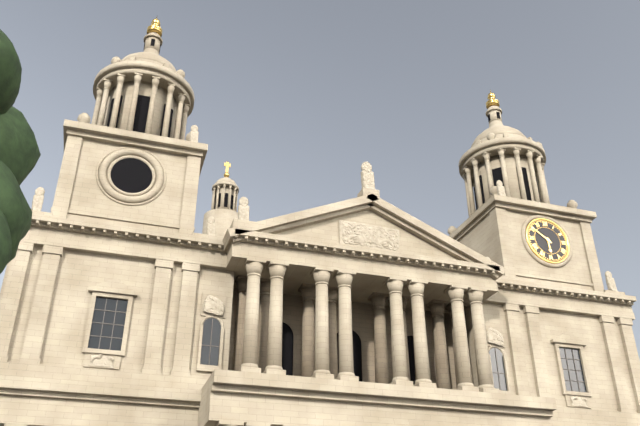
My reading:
{"hour": 5, "minute": 51}
